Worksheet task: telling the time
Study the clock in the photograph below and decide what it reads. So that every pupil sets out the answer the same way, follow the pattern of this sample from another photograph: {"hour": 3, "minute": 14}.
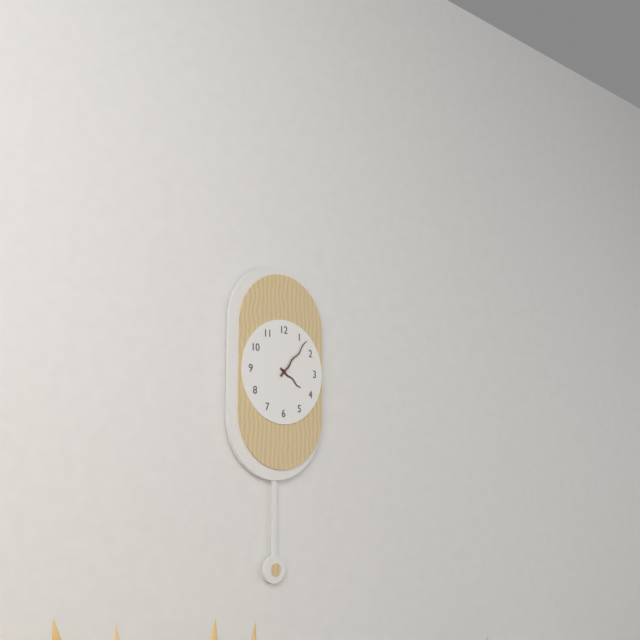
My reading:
{"hour": 4, "minute": 7}
